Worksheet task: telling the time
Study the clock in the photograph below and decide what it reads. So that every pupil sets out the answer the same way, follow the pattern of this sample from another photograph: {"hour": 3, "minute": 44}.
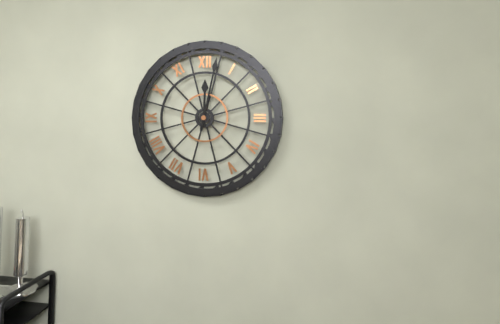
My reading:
{"hour": 12, "minute": 2}
